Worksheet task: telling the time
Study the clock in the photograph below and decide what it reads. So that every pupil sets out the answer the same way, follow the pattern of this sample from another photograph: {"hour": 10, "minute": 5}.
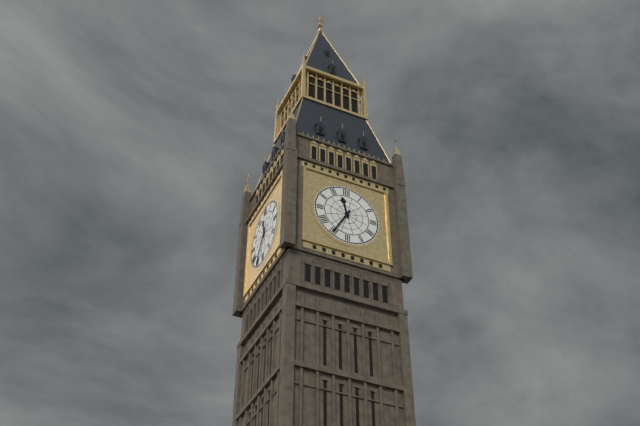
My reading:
{"hour": 11, "minute": 35}
